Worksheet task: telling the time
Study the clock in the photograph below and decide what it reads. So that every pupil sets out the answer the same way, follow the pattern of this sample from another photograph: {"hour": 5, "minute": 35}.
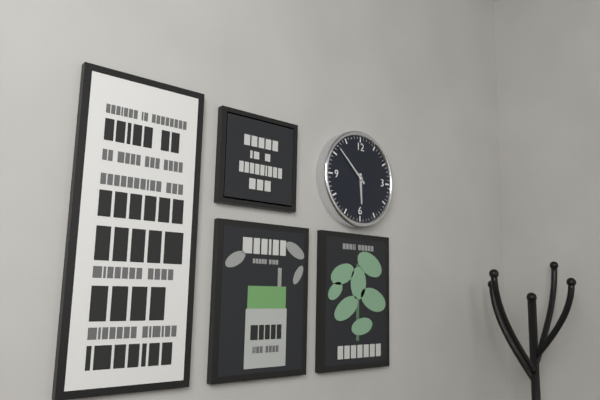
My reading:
{"hour": 5, "minute": 52}
